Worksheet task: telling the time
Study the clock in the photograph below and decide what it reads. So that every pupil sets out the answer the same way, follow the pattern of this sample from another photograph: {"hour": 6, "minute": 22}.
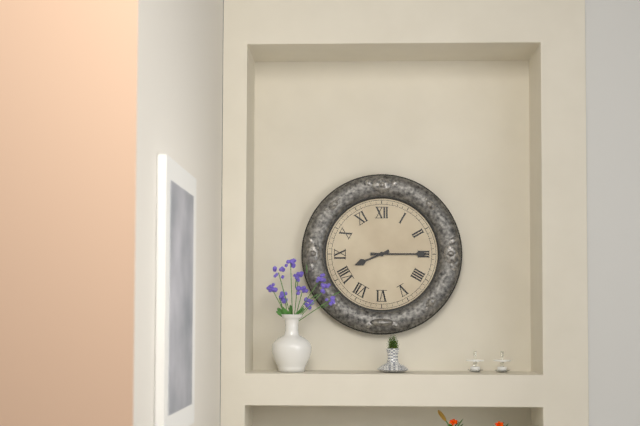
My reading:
{"hour": 8, "minute": 15}
